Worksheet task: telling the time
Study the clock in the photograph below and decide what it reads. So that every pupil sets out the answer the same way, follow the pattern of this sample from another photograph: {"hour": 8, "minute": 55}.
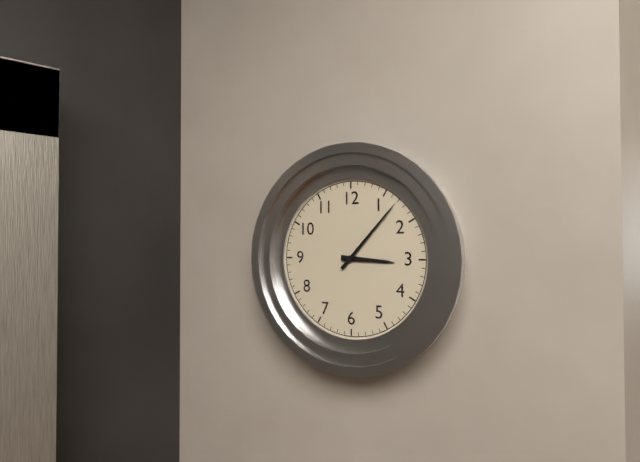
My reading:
{"hour": 3, "minute": 7}
